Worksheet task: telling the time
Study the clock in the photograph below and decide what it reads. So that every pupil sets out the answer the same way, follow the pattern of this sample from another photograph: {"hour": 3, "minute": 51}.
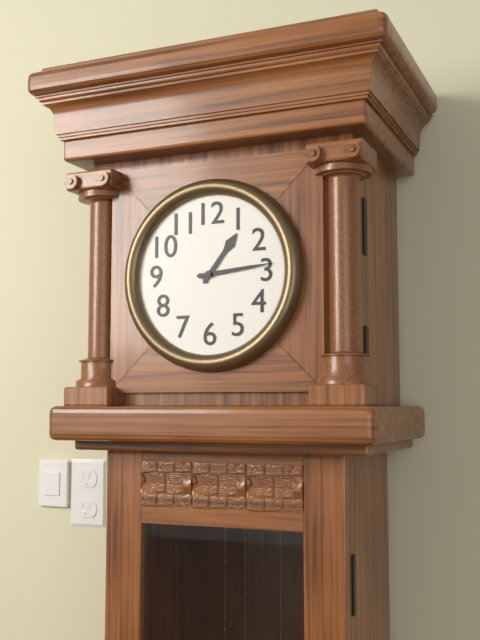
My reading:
{"hour": 1, "minute": 14}
